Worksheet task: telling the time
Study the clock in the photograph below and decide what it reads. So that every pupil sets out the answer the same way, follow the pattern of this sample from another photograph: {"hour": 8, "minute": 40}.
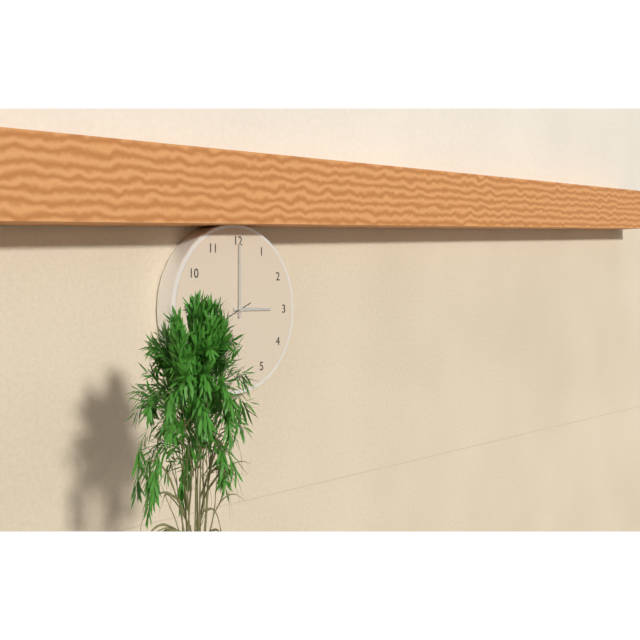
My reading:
{"hour": 3, "minute": 0}
